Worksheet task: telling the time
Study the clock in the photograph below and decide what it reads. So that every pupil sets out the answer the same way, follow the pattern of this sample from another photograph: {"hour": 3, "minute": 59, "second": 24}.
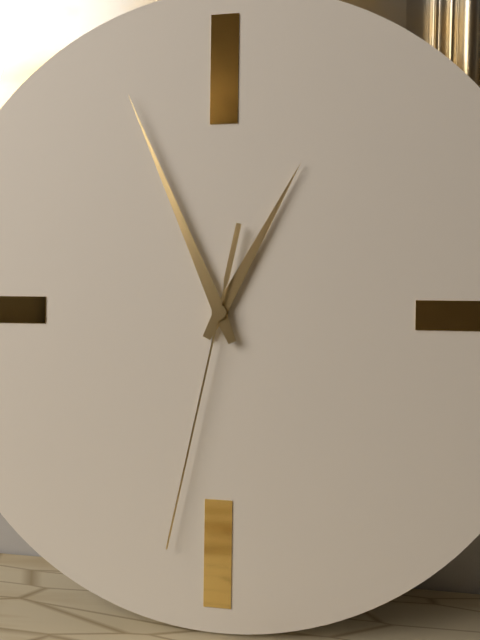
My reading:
{"hour": 12, "minute": 56, "second": 32}
